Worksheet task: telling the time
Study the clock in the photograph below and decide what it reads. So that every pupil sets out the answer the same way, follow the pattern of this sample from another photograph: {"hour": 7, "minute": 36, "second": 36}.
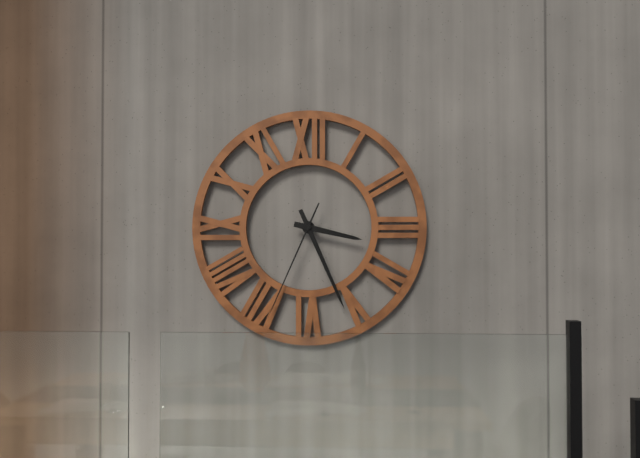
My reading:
{"hour": 3, "minute": 26, "second": 34}
